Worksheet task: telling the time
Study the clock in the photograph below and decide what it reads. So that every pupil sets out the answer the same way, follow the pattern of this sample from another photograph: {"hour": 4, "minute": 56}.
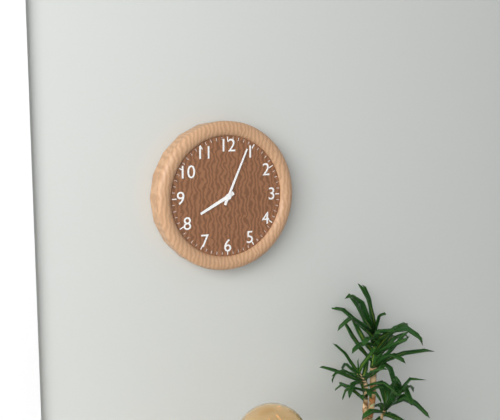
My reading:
{"hour": 8, "minute": 4}
